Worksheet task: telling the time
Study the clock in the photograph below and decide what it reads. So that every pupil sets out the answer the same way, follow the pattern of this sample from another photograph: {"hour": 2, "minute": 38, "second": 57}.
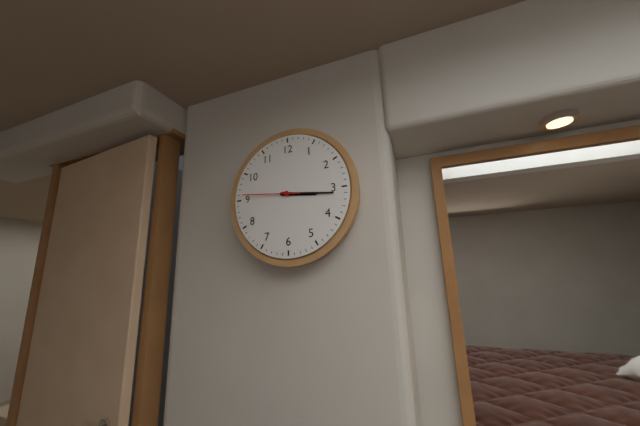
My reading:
{"hour": 3, "minute": 16, "second": 46}
